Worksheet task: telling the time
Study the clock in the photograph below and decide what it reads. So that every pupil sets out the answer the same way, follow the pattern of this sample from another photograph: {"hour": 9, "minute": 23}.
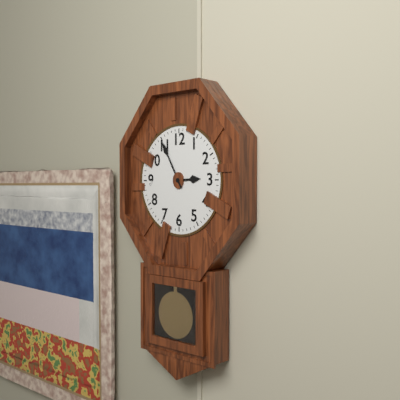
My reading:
{"hour": 2, "minute": 55}
